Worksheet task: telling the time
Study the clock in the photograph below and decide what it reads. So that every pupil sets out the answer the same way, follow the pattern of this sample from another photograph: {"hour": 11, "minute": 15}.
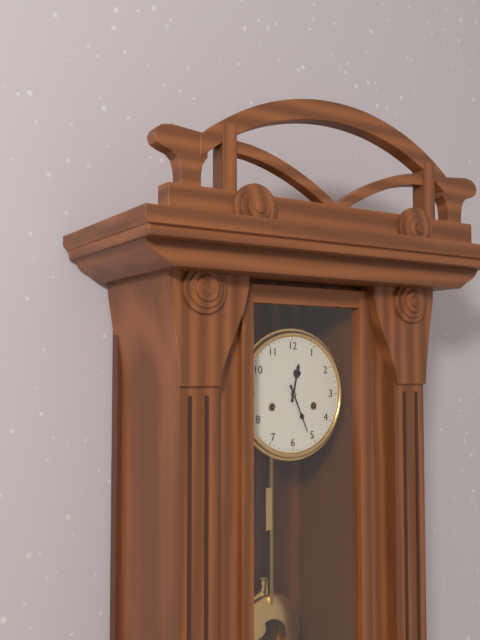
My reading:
{"hour": 12, "minute": 26}
